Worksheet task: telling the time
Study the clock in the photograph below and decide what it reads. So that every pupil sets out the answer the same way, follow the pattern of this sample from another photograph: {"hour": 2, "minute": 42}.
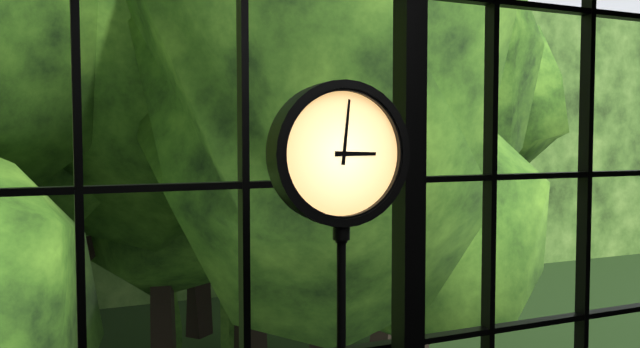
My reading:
{"hour": 3, "minute": 1}
